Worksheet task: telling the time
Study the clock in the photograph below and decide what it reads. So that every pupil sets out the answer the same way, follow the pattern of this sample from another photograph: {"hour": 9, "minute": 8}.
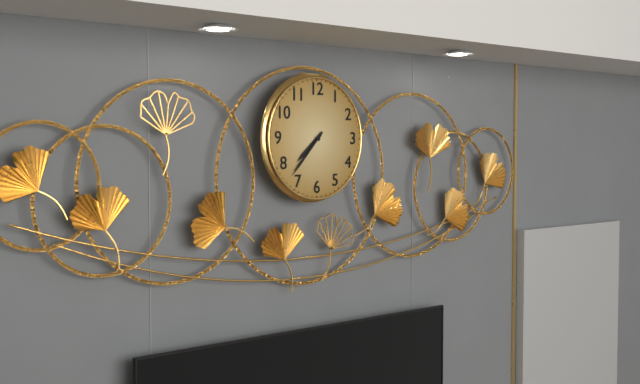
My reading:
{"hour": 7, "minute": 37}
